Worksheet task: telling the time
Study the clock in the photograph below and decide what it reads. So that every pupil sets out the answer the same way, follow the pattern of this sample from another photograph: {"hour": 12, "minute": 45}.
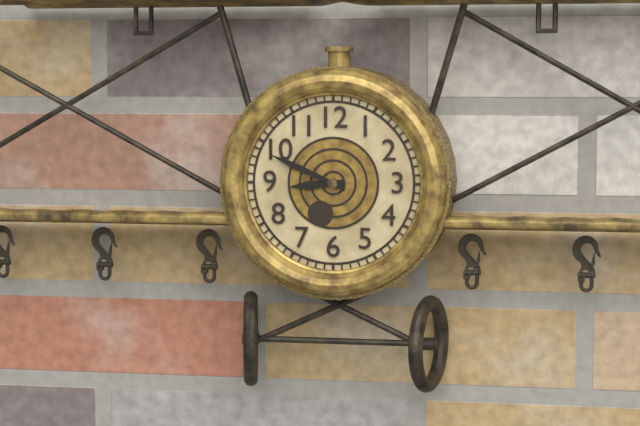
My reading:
{"hour": 8, "minute": 49}
